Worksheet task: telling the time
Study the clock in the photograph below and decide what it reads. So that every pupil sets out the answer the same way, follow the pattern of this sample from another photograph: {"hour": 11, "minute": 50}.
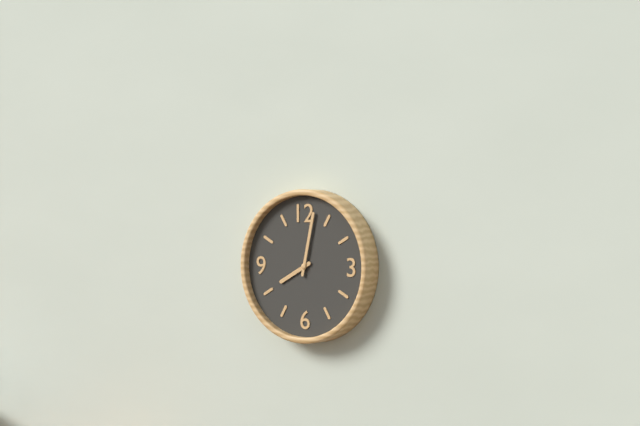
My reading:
{"hour": 8, "minute": 2}
